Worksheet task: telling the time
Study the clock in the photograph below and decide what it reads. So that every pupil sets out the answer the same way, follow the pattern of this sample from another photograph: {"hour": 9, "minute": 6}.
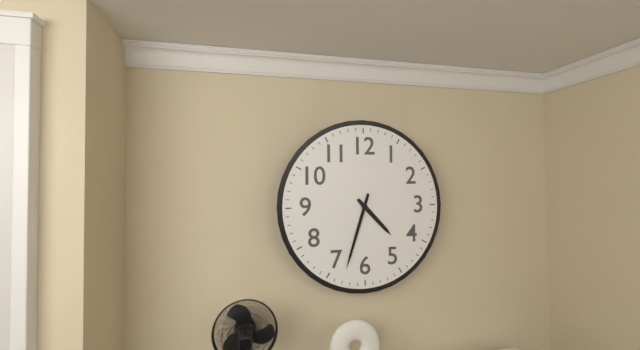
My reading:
{"hour": 4, "minute": 33}
